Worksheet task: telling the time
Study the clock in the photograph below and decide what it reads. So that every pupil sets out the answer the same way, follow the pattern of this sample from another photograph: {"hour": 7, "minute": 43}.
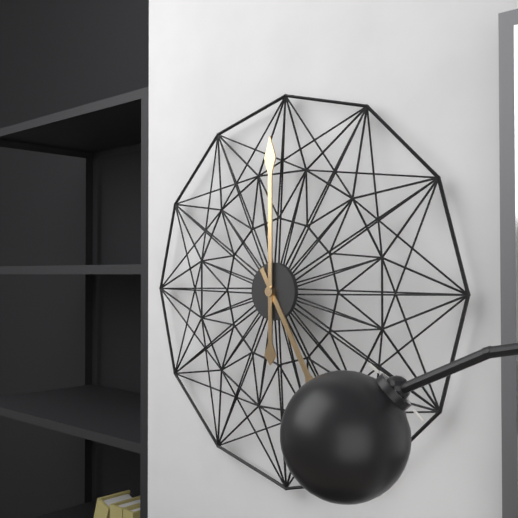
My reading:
{"hour": 5, "minute": 0}
